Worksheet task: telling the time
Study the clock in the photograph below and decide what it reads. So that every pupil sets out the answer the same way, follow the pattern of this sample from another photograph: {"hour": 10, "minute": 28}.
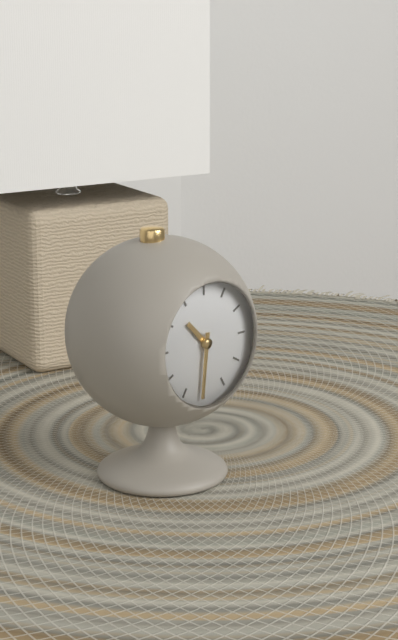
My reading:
{"hour": 10, "minute": 31}
